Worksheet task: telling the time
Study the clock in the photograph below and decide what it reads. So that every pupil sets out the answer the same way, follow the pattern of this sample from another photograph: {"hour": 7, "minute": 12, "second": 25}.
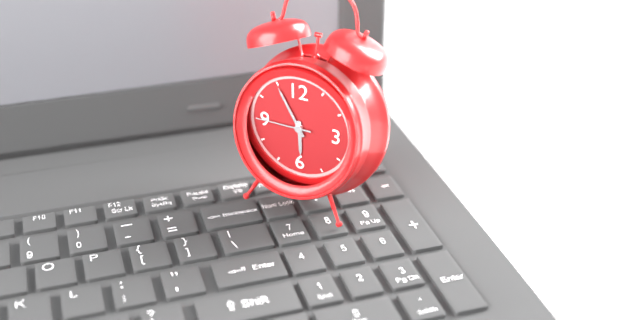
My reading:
{"hour": 5, "minute": 55, "second": 45}
